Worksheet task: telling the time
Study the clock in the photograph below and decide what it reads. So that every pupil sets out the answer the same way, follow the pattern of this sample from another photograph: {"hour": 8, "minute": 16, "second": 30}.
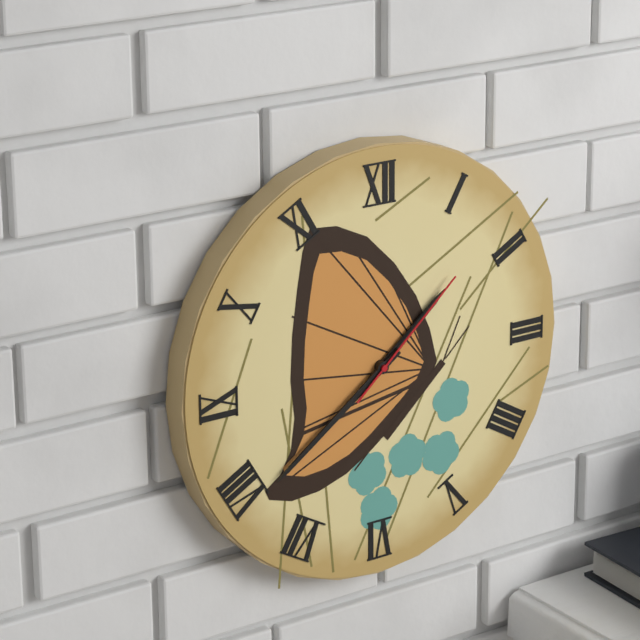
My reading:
{"hour": 1, "minute": 39, "second": 8}
